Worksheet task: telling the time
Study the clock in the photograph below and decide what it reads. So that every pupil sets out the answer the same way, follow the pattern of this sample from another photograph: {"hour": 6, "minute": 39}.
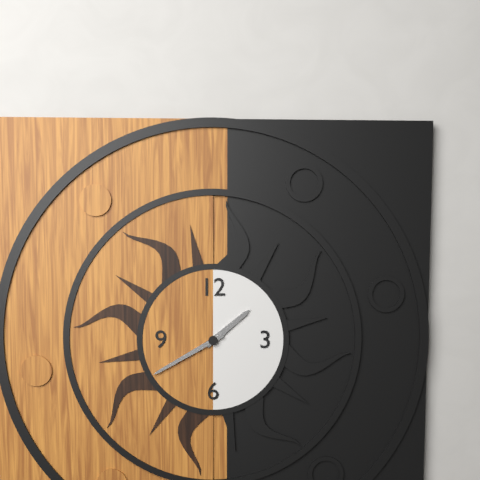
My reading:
{"hour": 1, "minute": 40}
